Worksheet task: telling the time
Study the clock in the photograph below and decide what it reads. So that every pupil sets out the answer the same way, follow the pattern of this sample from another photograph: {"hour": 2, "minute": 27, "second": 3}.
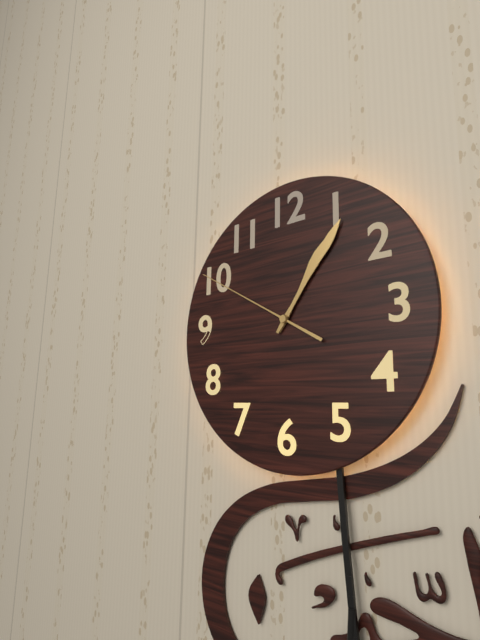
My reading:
{"hour": 1, "minute": 6, "second": 50}
